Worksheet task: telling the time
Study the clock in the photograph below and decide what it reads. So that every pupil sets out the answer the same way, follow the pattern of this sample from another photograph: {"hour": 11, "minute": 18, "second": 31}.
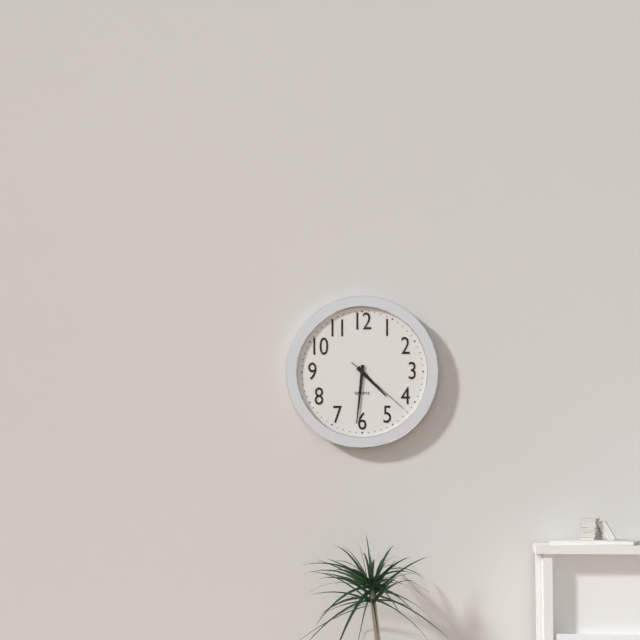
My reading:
{"hour": 4, "minute": 31, "second": 22}
